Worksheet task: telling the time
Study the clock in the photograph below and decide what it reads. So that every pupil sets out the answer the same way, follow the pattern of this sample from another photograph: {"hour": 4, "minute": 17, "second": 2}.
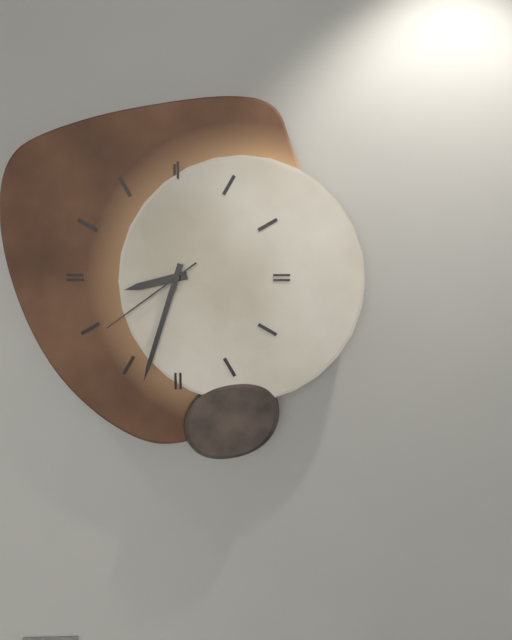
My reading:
{"hour": 8, "minute": 33, "second": 39}
